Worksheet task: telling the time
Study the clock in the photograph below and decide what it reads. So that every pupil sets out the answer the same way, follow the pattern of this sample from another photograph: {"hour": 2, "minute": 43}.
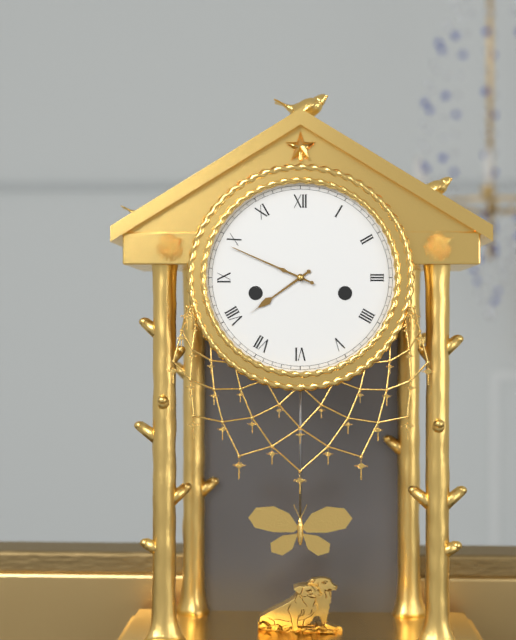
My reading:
{"hour": 7, "minute": 49}
